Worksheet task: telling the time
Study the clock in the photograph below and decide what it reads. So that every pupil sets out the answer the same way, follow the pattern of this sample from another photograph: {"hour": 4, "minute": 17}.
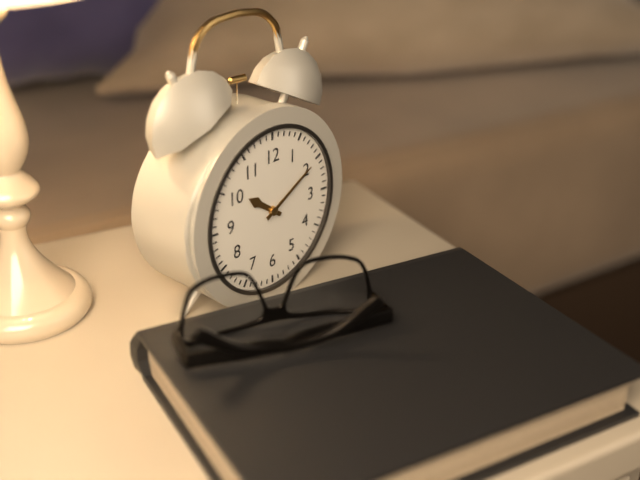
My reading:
{"hour": 10, "minute": 10}
